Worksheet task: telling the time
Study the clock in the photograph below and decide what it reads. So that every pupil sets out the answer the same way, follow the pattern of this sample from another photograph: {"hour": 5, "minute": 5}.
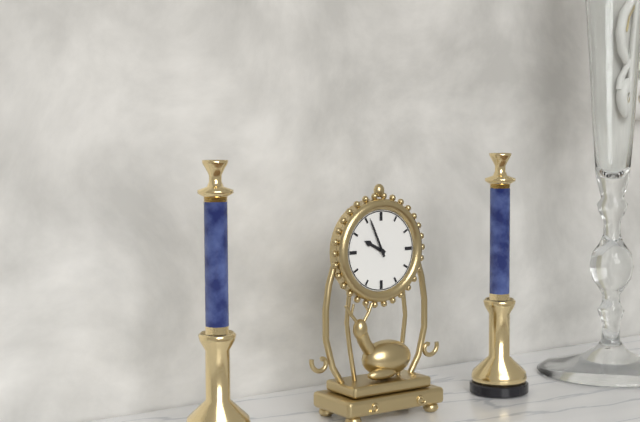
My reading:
{"hour": 9, "minute": 56}
